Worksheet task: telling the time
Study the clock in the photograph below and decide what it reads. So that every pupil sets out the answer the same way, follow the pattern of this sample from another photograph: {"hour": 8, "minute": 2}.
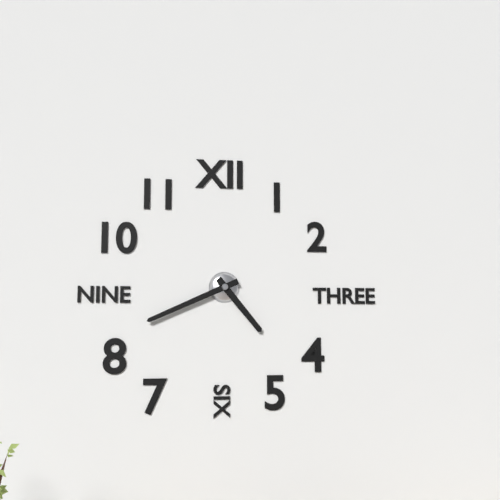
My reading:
{"hour": 4, "minute": 41}
